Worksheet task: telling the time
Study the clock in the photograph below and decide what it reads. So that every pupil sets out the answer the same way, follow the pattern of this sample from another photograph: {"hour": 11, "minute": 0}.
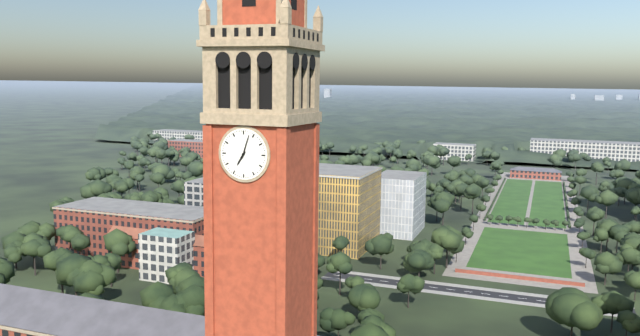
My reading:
{"hour": 7, "minute": 3}
